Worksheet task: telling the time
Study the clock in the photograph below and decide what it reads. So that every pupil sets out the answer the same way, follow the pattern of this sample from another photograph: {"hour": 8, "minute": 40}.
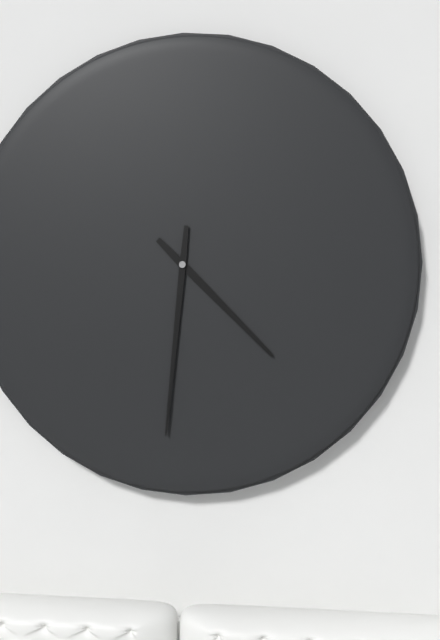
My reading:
{"hour": 4, "minute": 31}
